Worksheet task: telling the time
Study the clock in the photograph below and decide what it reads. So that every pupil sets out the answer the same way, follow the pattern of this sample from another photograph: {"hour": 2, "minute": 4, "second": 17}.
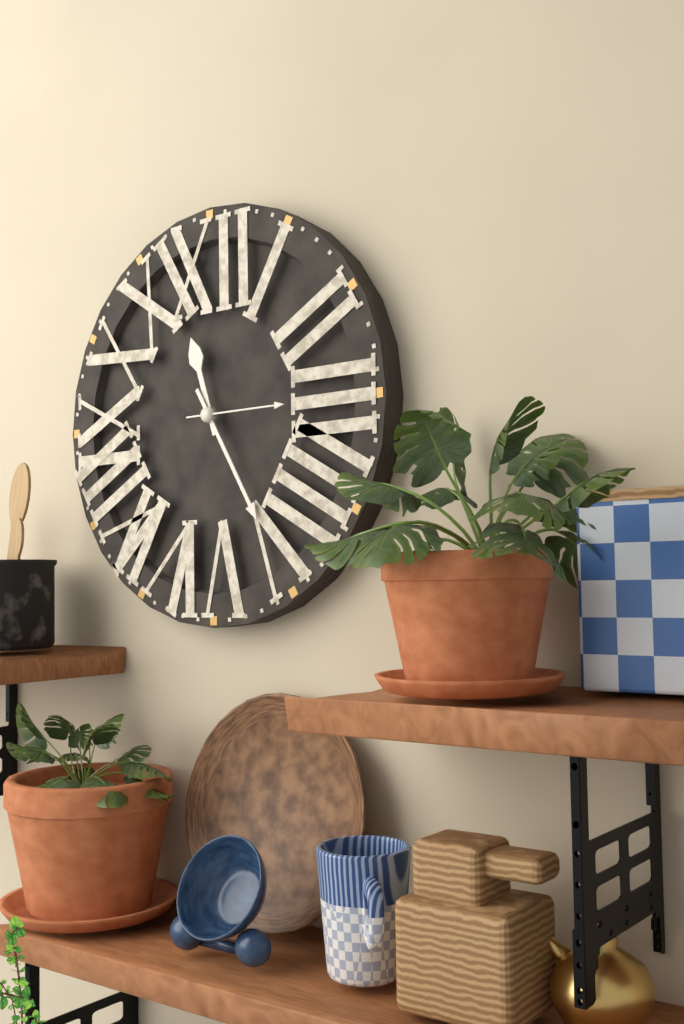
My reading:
{"hour": 11, "minute": 25, "second": 15}
